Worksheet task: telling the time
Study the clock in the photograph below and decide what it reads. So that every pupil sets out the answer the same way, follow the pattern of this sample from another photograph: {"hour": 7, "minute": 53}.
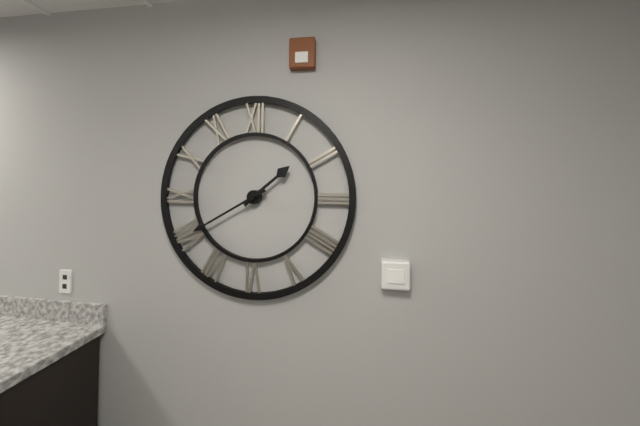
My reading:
{"hour": 1, "minute": 40}
